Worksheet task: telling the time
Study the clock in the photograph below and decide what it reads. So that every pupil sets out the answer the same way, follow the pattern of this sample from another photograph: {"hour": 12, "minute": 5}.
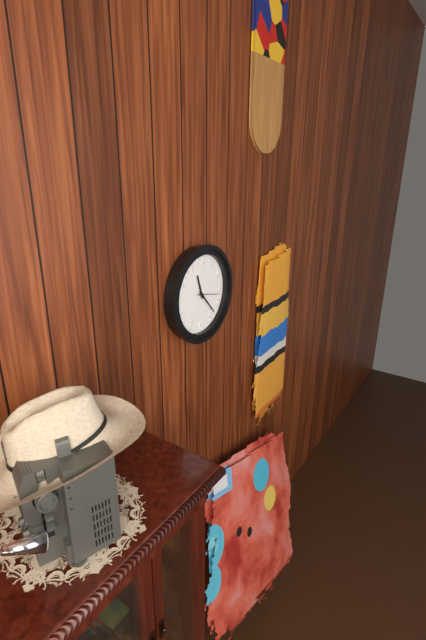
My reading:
{"hour": 11, "minute": 23}
